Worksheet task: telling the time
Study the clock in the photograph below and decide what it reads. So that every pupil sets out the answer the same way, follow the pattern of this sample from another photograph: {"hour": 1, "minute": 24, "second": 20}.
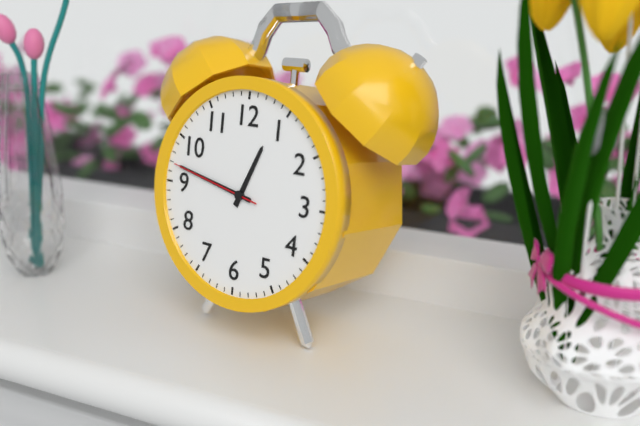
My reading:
{"hour": 12, "minute": 47, "second": 47}
